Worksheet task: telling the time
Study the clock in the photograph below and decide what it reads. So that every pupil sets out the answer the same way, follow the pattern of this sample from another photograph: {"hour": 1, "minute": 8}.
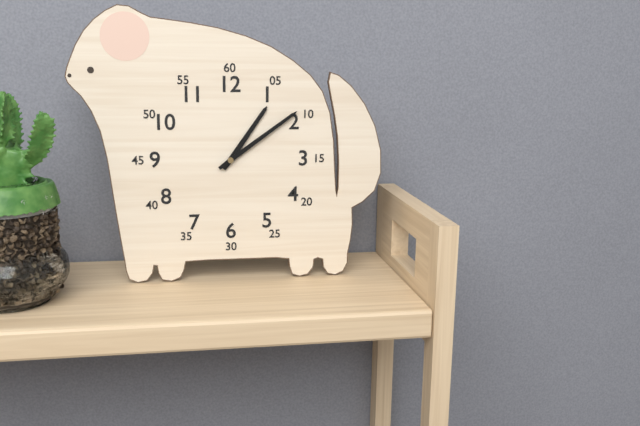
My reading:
{"hour": 1, "minute": 9}
